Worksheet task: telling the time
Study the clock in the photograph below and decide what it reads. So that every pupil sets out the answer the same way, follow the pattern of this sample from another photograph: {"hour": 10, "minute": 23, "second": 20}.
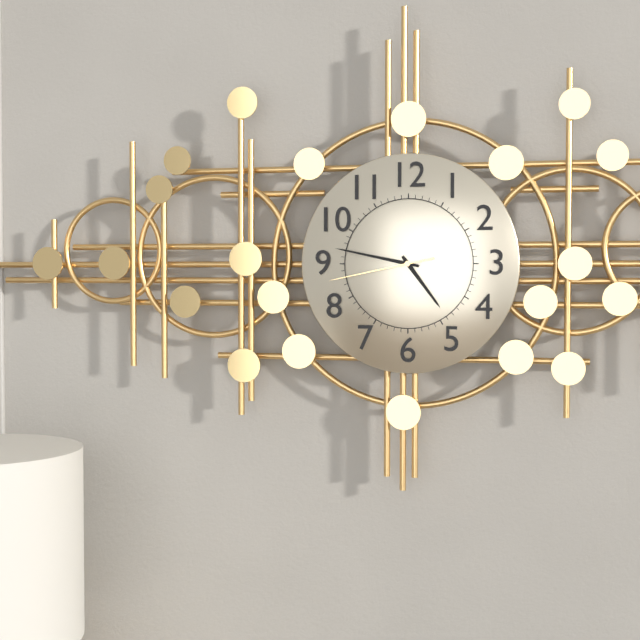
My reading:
{"hour": 4, "minute": 47, "second": 43}
